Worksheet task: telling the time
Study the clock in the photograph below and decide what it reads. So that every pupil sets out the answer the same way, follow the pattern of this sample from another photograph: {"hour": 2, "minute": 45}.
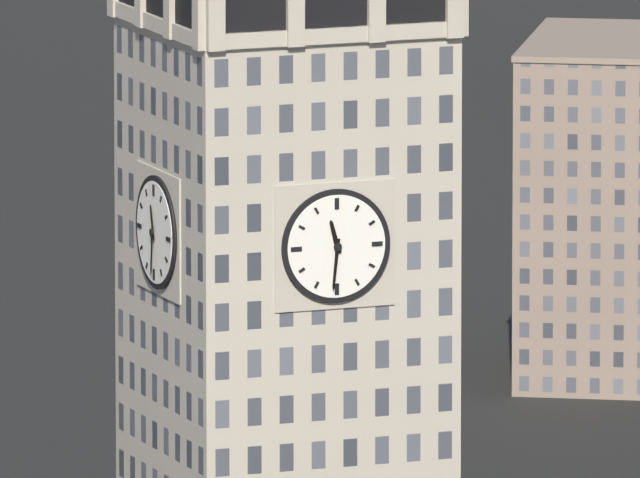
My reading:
{"hour": 11, "minute": 31}
